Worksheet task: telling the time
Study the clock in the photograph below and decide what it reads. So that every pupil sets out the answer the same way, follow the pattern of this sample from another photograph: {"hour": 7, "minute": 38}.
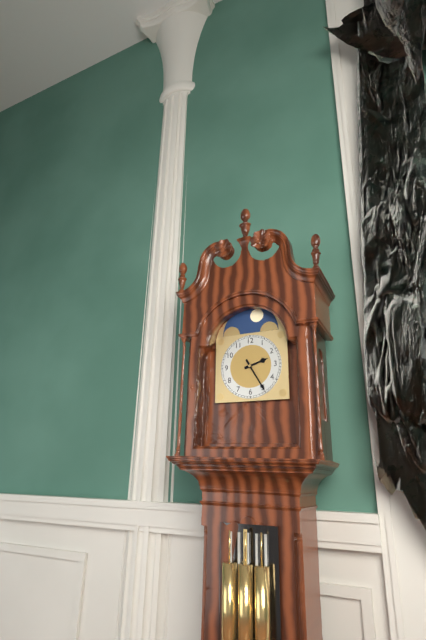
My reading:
{"hour": 2, "minute": 25}
